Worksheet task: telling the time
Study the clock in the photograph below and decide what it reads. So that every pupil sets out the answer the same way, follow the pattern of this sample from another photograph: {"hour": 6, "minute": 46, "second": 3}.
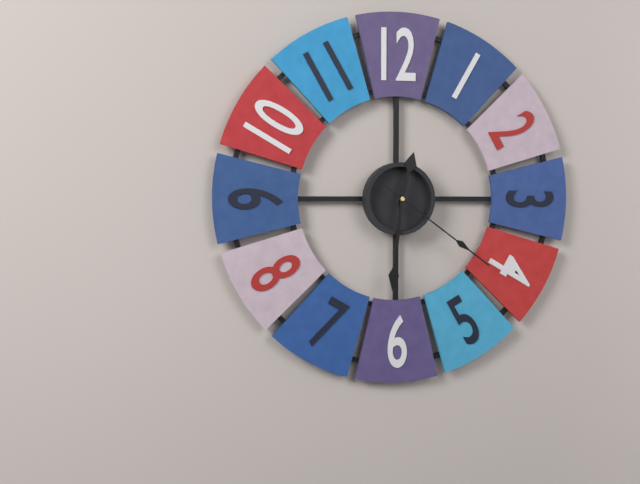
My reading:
{"hour": 12, "minute": 31, "second": 21}
